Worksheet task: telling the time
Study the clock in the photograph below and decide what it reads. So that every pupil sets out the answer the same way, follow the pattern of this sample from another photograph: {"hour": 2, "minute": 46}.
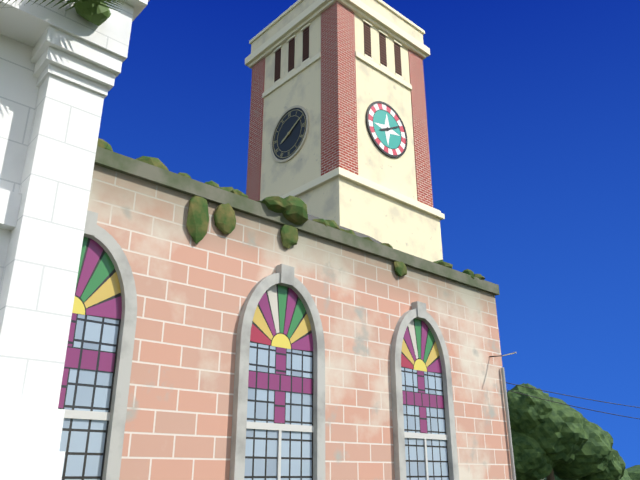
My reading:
{"hour": 8, "minute": 10}
